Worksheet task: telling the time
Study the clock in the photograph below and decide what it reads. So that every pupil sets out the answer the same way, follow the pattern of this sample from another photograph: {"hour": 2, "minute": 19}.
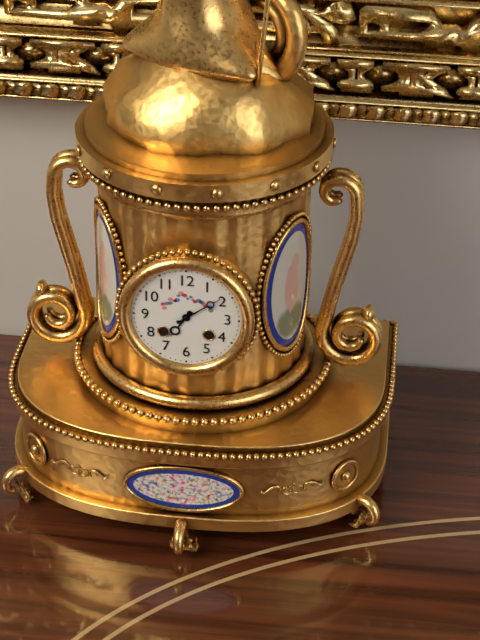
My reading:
{"hour": 7, "minute": 9}
